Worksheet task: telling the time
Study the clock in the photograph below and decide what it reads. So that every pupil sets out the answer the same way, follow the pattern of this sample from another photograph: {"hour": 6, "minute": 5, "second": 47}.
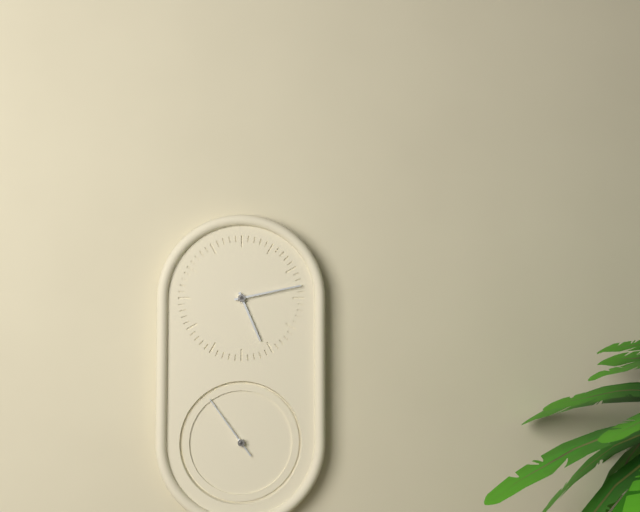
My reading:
{"hour": 5, "minute": 13, "second": 54}
